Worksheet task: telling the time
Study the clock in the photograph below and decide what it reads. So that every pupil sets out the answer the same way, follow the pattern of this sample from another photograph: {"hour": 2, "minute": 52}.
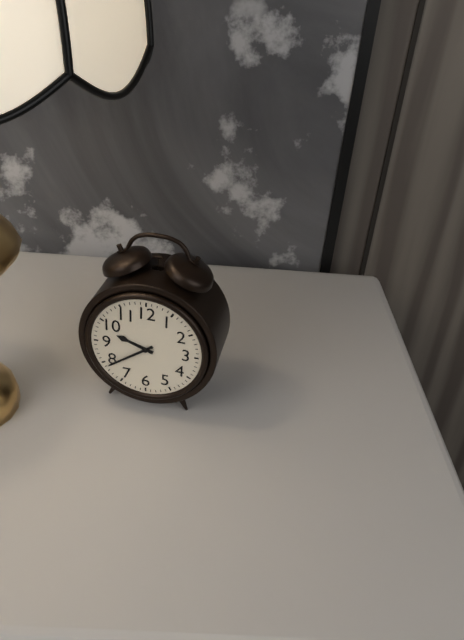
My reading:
{"hour": 9, "minute": 39}
